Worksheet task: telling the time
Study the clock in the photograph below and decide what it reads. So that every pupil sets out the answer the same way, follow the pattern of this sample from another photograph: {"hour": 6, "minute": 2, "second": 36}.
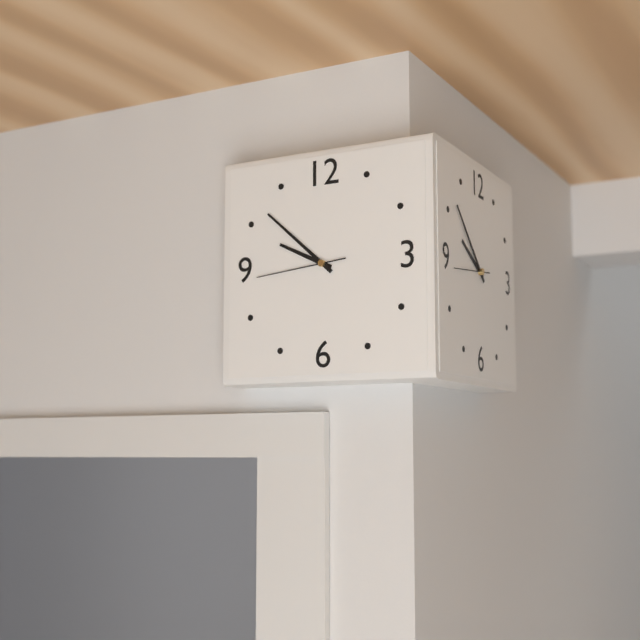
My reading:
{"hour": 9, "minute": 52, "second": 44}
